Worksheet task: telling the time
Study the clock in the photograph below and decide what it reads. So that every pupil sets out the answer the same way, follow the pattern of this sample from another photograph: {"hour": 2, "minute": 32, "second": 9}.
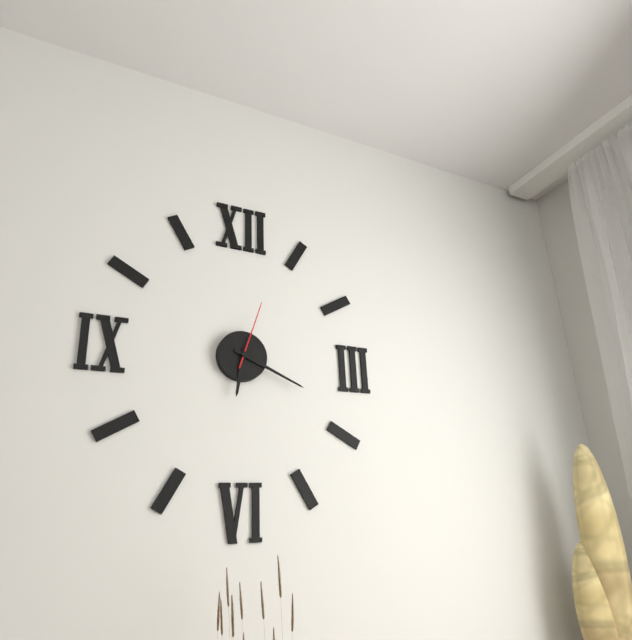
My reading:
{"hour": 6, "minute": 19, "second": 3}
